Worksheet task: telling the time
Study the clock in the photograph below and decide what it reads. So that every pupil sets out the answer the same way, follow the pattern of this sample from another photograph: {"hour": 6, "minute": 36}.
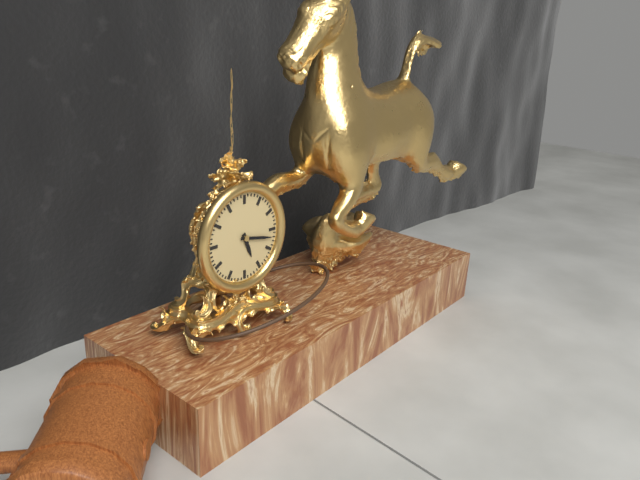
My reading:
{"hour": 5, "minute": 17}
